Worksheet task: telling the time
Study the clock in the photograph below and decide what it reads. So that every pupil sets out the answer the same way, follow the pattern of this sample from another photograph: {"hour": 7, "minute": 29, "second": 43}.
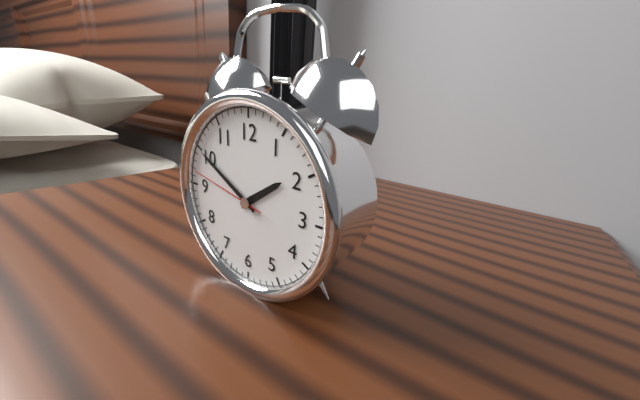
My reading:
{"hour": 1, "minute": 50, "second": 47}
